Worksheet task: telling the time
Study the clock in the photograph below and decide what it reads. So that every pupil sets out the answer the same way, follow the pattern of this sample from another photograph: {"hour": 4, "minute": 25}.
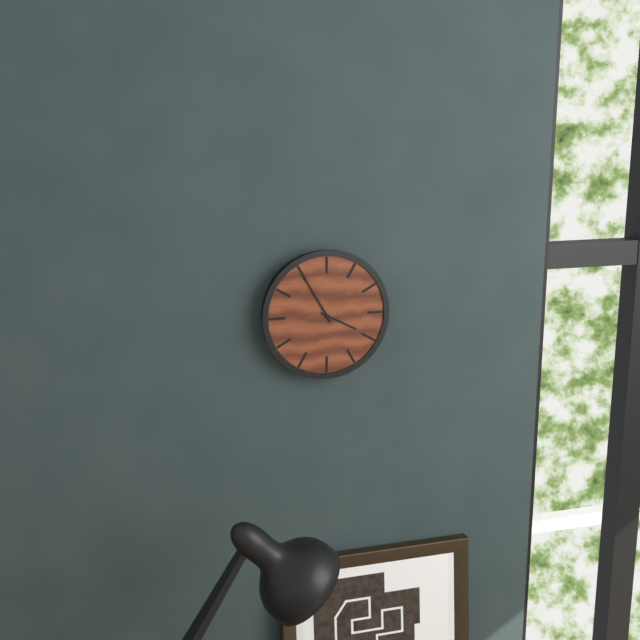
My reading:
{"hour": 3, "minute": 55}
